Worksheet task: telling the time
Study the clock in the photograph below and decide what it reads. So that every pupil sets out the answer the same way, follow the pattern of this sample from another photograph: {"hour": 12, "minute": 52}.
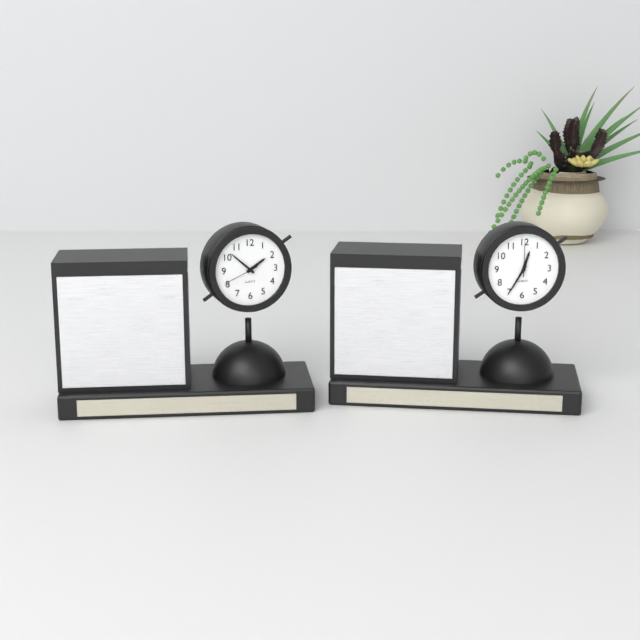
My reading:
{"hour": 1, "minute": 52}
